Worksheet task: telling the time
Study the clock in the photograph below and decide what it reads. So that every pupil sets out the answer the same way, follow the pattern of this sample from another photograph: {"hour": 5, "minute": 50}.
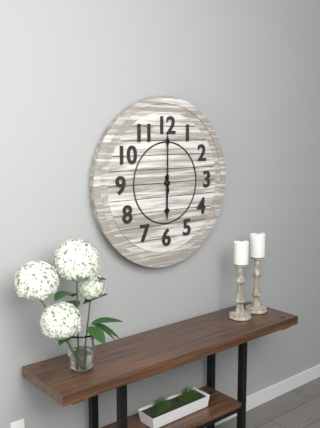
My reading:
{"hour": 6, "minute": 0}
